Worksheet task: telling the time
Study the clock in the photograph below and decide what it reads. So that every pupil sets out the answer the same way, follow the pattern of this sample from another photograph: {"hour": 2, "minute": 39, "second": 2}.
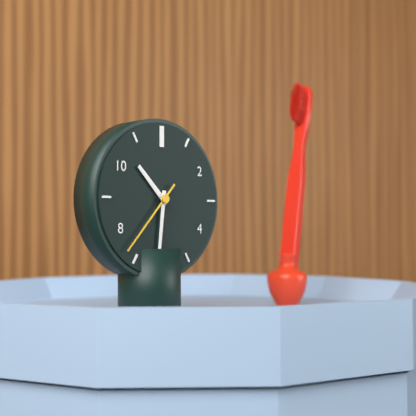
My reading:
{"hour": 10, "minute": 31, "second": 37}
